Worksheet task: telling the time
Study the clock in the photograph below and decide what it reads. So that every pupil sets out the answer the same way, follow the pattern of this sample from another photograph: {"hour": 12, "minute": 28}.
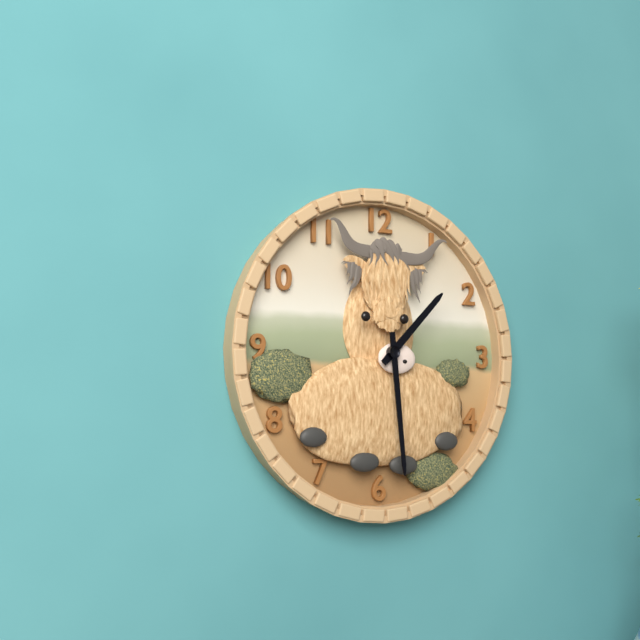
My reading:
{"hour": 1, "minute": 29}
